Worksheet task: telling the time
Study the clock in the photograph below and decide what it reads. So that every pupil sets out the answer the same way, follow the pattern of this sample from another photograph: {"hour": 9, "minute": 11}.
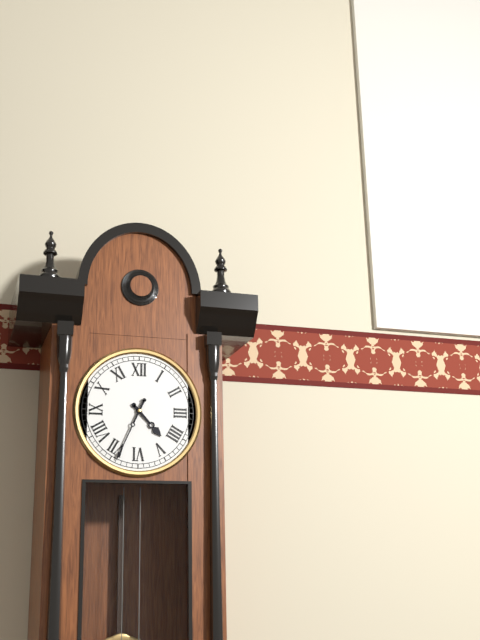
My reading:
{"hour": 4, "minute": 34}
